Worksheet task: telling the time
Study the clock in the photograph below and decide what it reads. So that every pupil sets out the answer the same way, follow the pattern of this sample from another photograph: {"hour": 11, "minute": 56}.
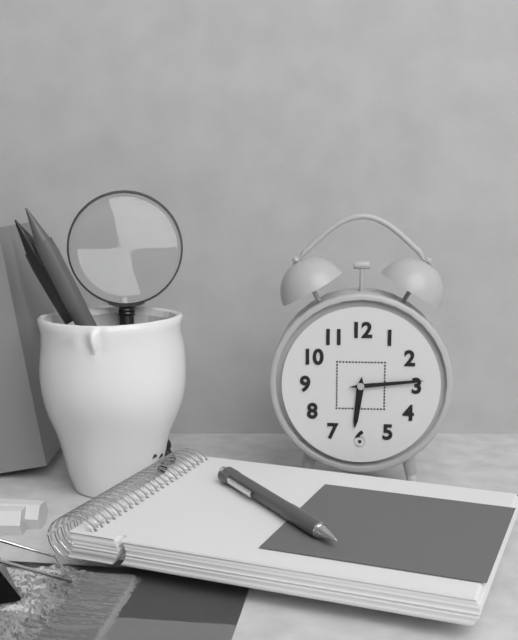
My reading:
{"hour": 6, "minute": 14}
